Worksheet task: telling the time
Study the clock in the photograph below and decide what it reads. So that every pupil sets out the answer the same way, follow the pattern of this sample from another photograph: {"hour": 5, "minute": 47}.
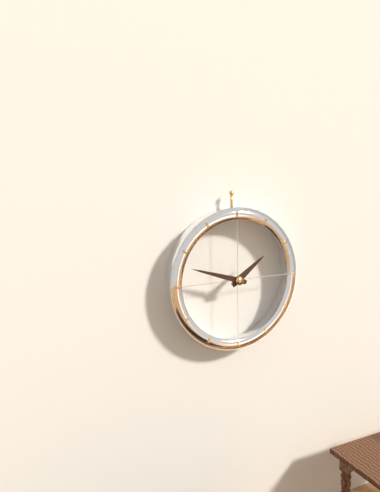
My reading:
{"hour": 1, "minute": 48}
